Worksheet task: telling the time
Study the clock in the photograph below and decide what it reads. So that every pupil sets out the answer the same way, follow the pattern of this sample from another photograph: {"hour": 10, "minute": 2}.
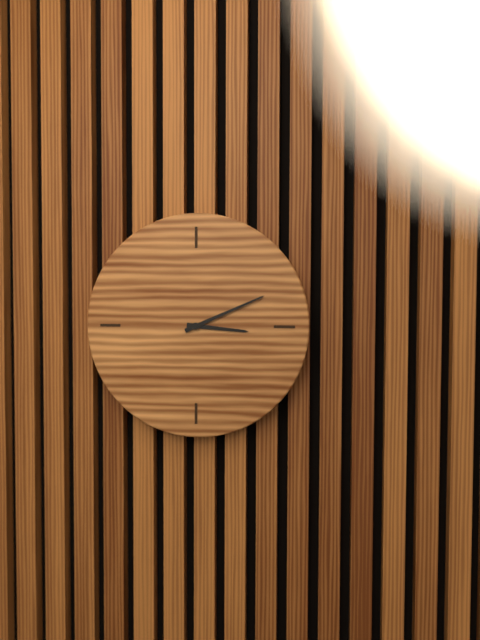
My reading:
{"hour": 3, "minute": 11}
